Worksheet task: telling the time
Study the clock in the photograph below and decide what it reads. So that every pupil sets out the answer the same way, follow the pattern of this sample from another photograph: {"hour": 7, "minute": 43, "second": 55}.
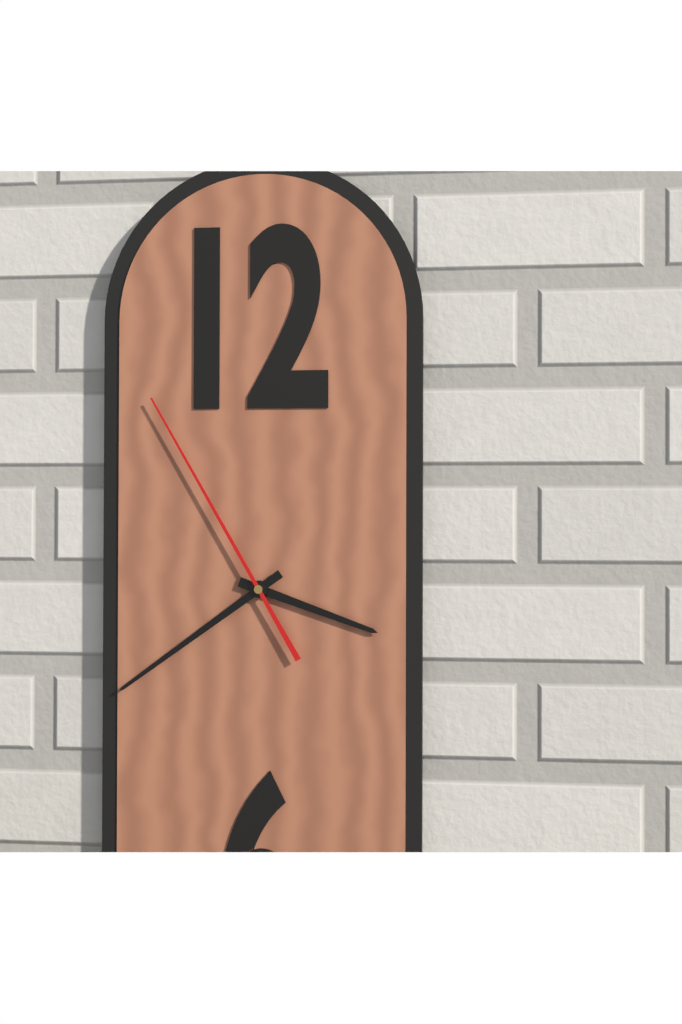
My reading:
{"hour": 3, "minute": 39, "second": 55}
